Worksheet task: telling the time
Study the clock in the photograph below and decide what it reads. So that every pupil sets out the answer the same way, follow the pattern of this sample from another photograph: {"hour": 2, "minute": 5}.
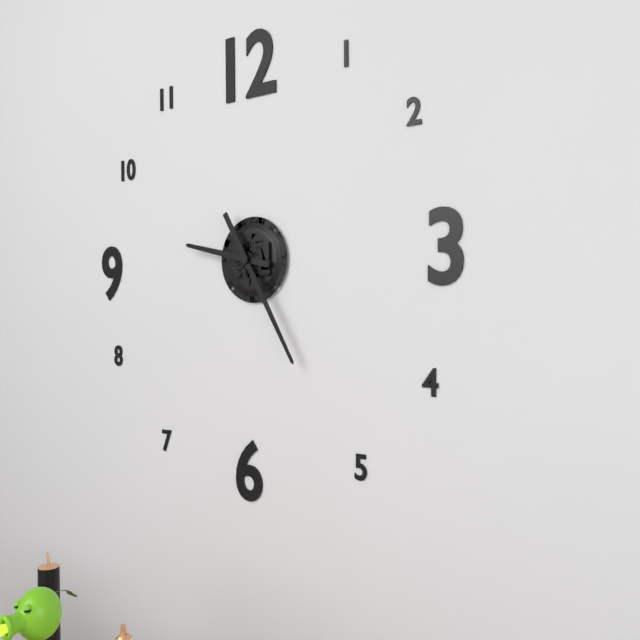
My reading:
{"hour": 9, "minute": 25}
